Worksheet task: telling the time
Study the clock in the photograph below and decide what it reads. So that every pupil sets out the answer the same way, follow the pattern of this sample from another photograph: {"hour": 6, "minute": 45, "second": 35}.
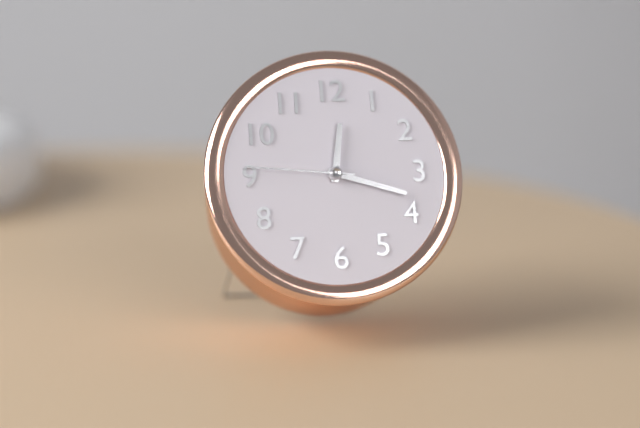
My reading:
{"hour": 12, "minute": 18, "second": 46}
